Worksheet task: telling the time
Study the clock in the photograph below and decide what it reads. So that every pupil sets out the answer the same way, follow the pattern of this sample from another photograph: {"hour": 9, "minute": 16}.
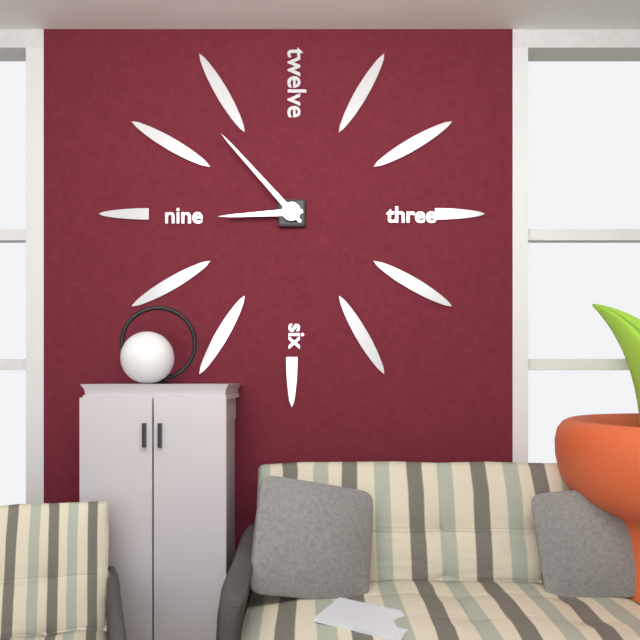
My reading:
{"hour": 8, "minute": 53}
